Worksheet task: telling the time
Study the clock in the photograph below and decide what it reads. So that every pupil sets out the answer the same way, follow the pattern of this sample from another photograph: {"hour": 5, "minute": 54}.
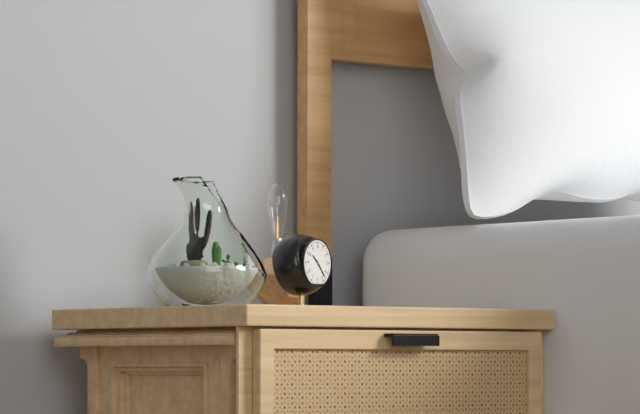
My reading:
{"hour": 10, "minute": 23}
